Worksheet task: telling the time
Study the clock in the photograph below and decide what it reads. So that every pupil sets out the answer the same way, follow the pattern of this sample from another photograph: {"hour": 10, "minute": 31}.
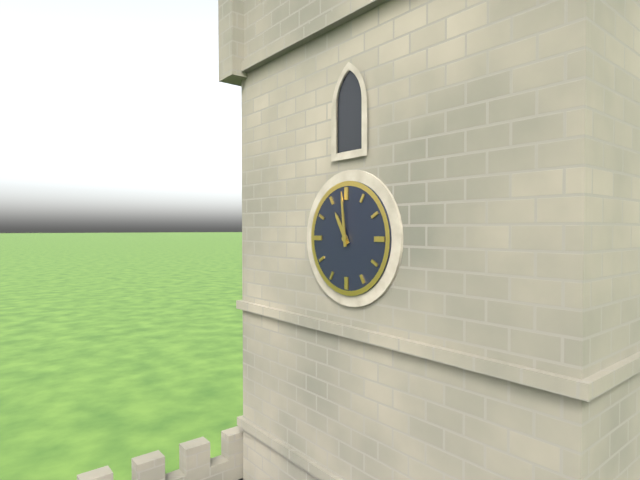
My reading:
{"hour": 10, "minute": 59}
